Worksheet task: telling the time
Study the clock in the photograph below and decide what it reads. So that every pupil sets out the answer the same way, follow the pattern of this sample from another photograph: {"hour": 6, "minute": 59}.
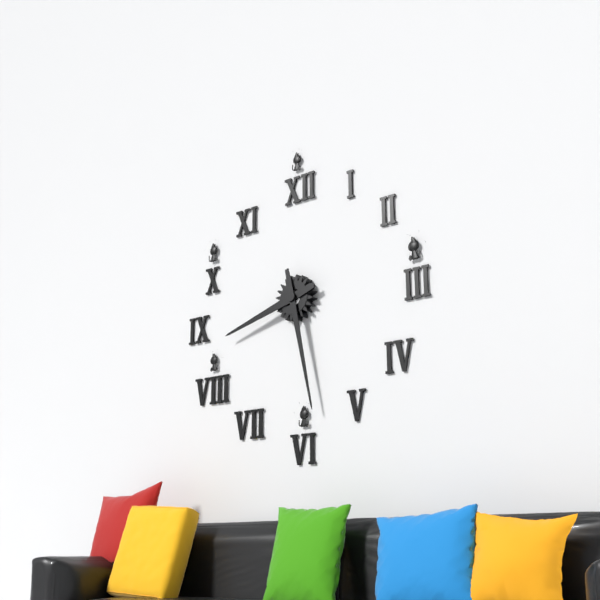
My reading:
{"hour": 8, "minute": 28}
